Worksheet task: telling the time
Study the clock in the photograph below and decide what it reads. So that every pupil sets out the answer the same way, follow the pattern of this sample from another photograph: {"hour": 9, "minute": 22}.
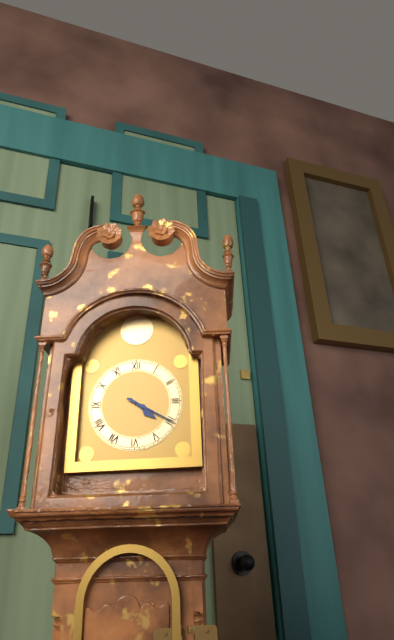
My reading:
{"hour": 4, "minute": 20}
